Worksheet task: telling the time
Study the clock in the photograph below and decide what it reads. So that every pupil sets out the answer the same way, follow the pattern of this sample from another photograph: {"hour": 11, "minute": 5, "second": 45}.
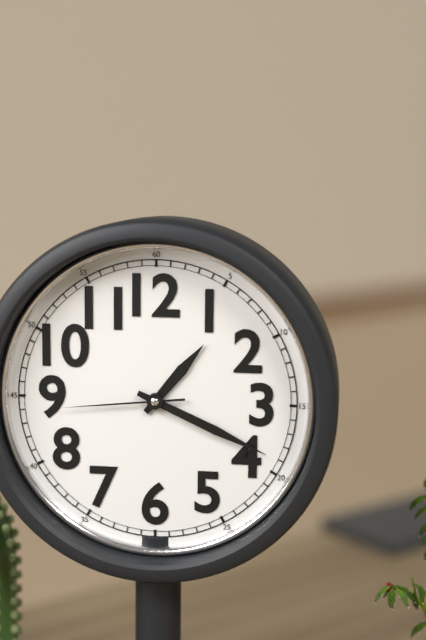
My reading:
{"hour": 1, "minute": 19, "second": 44}
